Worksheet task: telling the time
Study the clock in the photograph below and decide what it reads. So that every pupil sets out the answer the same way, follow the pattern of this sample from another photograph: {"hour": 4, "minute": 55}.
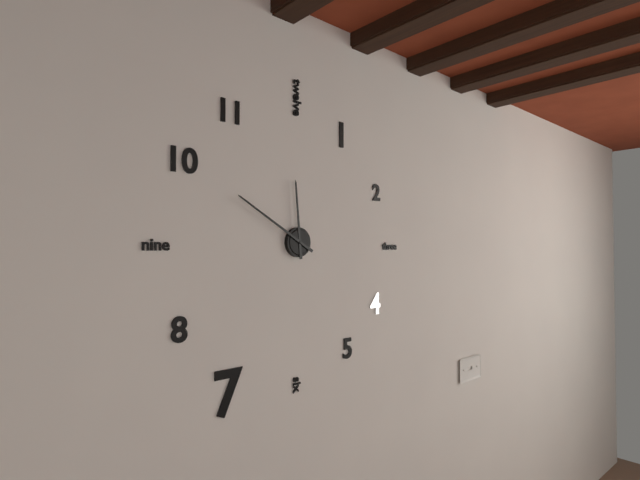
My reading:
{"hour": 11, "minute": 50}
